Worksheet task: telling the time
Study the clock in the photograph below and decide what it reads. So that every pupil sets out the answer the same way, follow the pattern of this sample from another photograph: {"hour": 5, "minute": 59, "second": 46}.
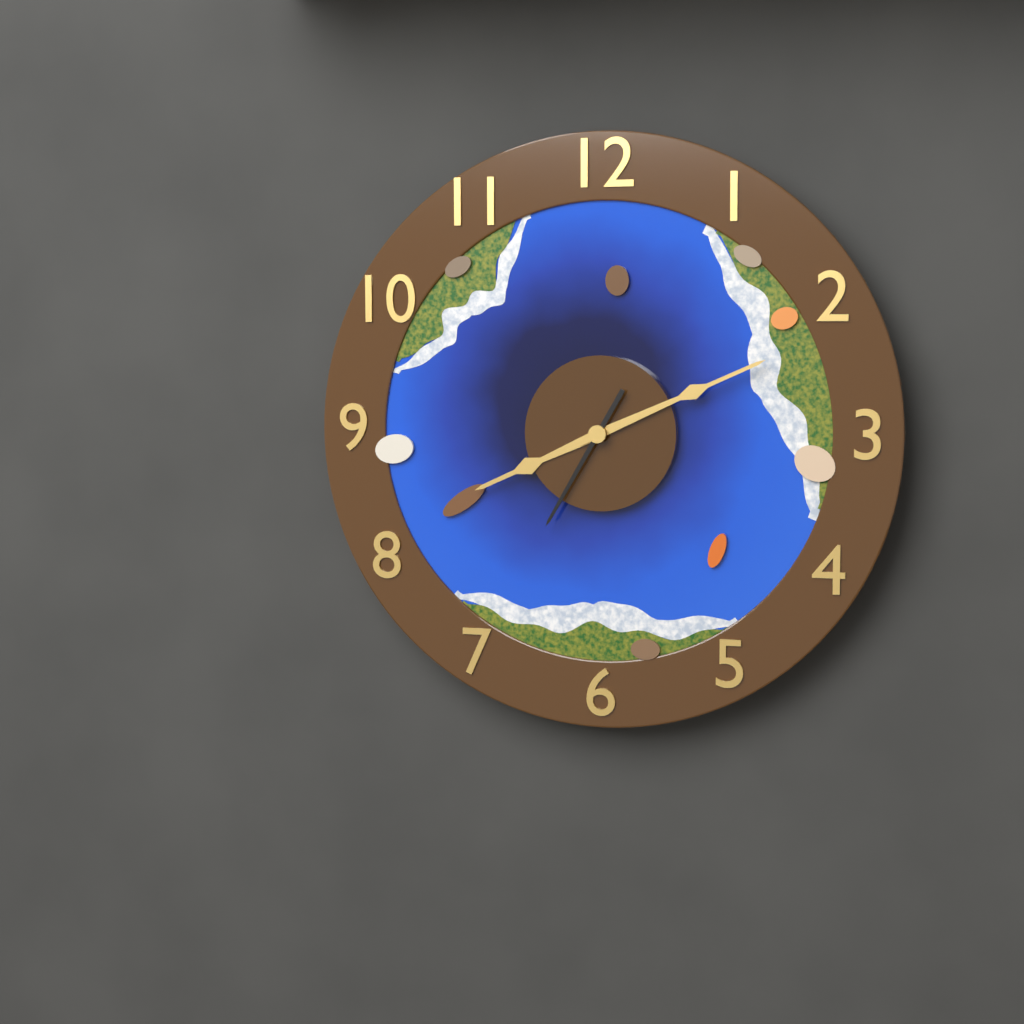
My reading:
{"hour": 8, "minute": 11, "second": 35}
